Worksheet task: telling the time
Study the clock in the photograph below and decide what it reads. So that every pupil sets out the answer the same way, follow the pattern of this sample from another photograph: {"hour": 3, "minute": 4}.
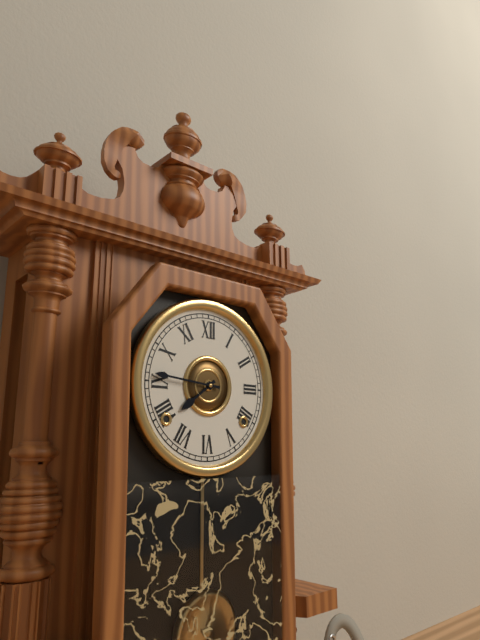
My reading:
{"hour": 7, "minute": 46}
